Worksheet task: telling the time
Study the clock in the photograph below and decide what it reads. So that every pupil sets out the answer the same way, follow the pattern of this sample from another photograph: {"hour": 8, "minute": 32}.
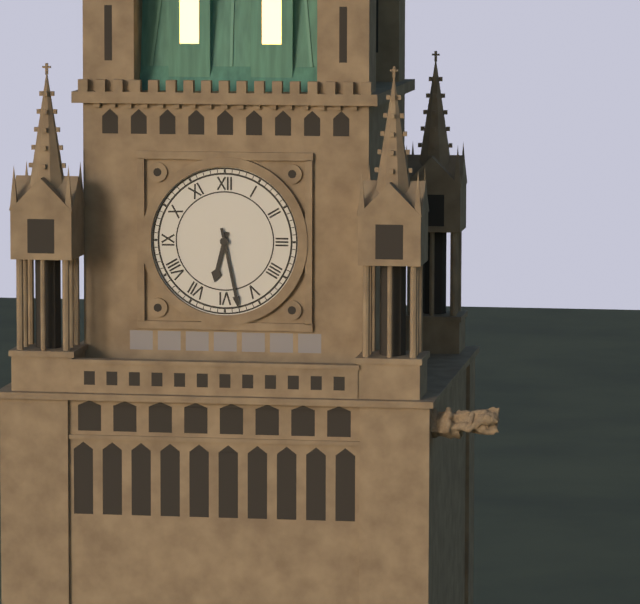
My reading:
{"hour": 6, "minute": 28}
